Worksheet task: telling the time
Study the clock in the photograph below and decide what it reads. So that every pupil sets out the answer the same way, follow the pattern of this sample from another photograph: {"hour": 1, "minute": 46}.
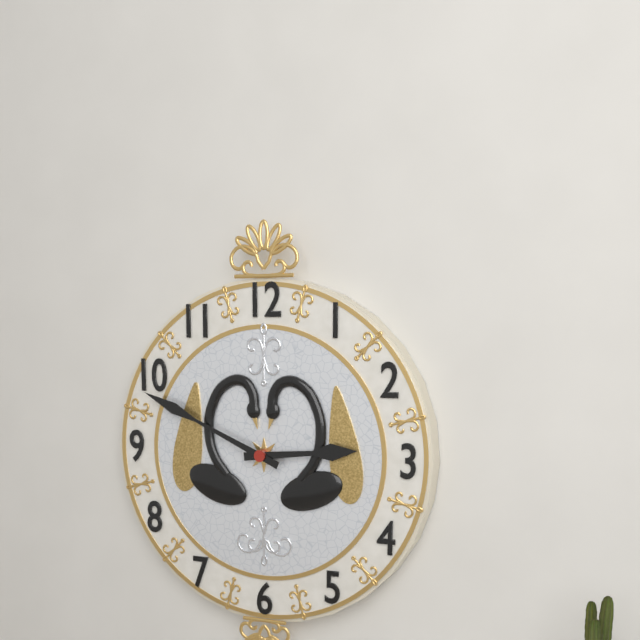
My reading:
{"hour": 2, "minute": 49}
